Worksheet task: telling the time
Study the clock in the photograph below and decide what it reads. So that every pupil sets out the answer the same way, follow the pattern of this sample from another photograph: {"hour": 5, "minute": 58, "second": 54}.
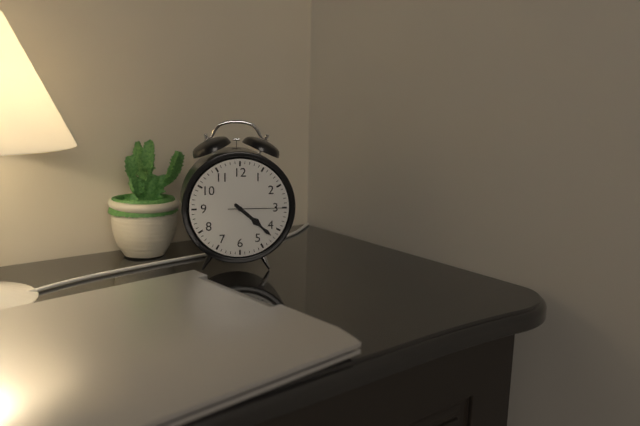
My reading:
{"hour": 4, "minute": 22, "second": 15}
